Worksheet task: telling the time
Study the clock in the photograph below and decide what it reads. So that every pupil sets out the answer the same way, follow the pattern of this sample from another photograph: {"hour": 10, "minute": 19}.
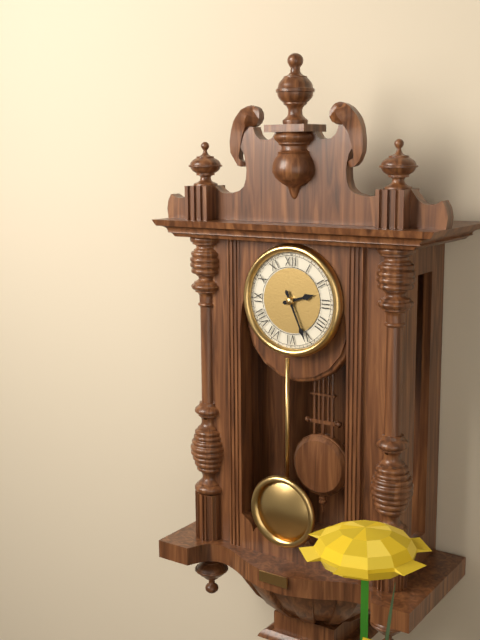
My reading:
{"hour": 2, "minute": 26}
